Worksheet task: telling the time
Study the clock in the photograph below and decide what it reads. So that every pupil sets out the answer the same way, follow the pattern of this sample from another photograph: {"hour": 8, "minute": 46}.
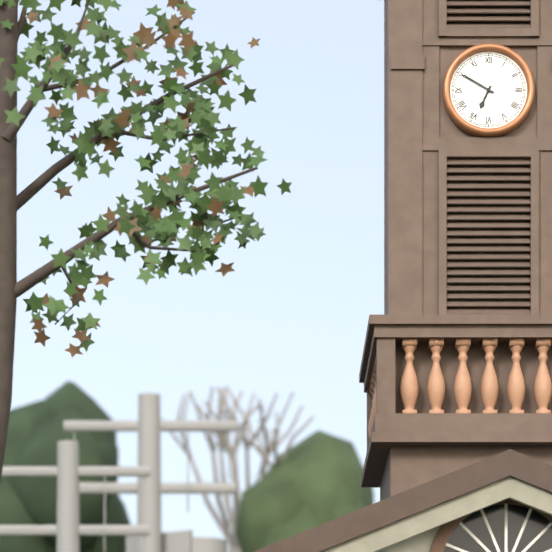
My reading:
{"hour": 6, "minute": 50}
